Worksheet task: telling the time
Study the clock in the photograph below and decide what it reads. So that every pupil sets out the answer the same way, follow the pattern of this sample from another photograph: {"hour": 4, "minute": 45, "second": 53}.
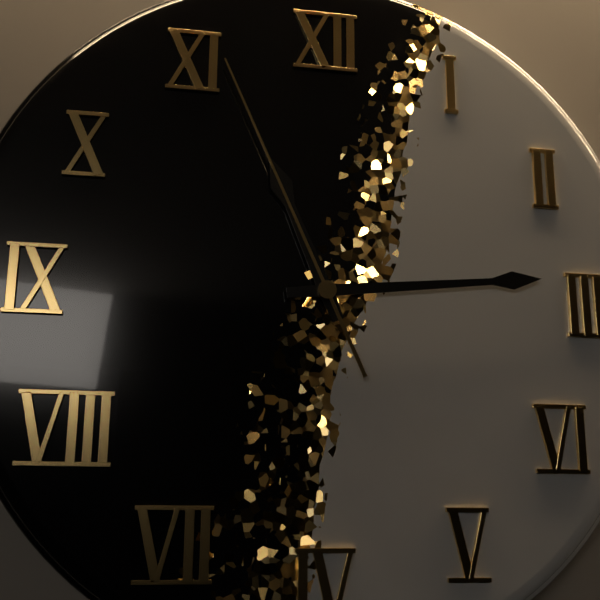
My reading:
{"hour": 11, "minute": 14, "second": 56}
